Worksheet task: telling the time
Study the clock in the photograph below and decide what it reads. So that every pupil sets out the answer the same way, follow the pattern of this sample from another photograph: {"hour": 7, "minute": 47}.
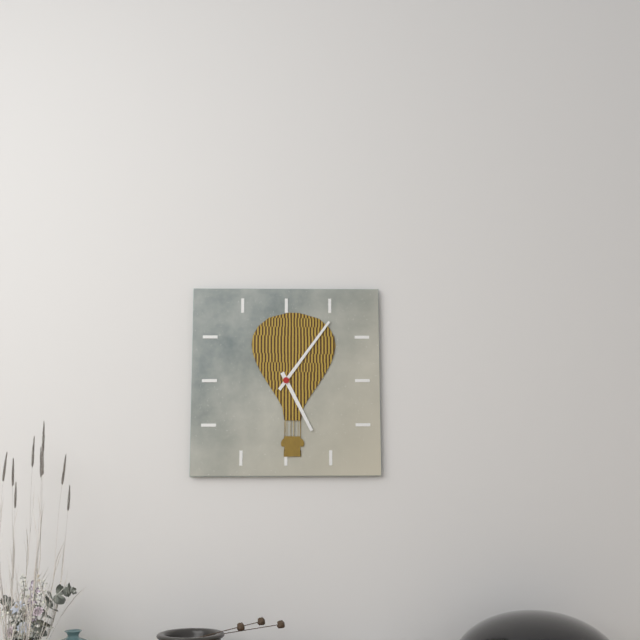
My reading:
{"hour": 5, "minute": 6}
